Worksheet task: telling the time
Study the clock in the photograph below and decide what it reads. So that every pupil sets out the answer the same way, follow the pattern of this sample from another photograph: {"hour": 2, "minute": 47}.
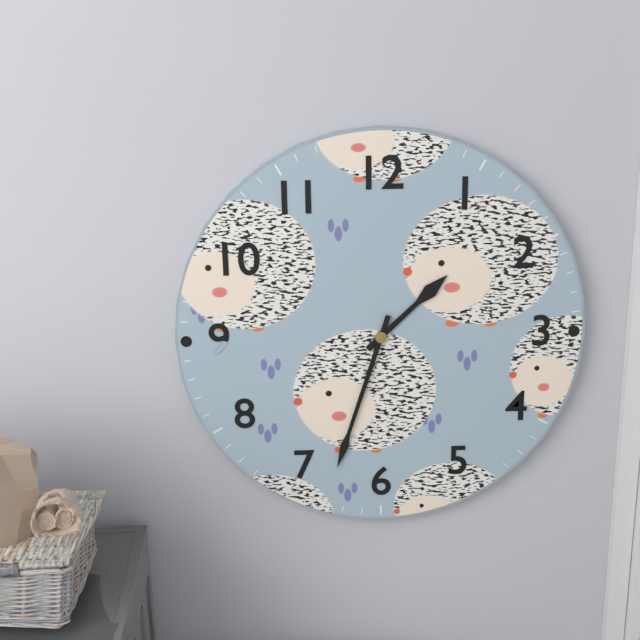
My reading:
{"hour": 1, "minute": 33}
